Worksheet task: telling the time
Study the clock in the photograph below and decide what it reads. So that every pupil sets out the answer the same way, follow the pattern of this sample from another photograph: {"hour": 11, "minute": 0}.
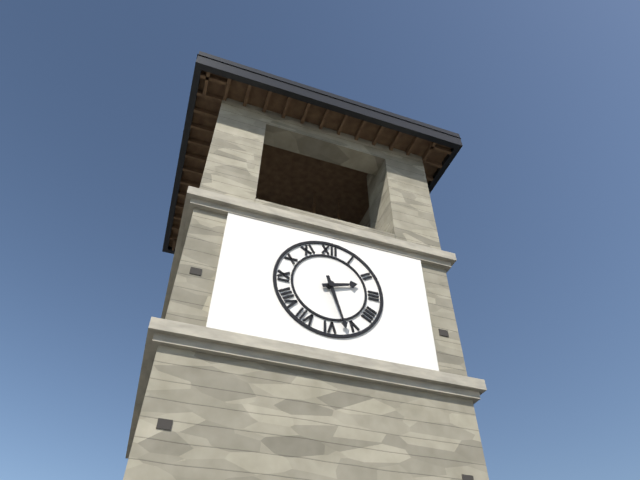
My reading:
{"hour": 2, "minute": 27}
